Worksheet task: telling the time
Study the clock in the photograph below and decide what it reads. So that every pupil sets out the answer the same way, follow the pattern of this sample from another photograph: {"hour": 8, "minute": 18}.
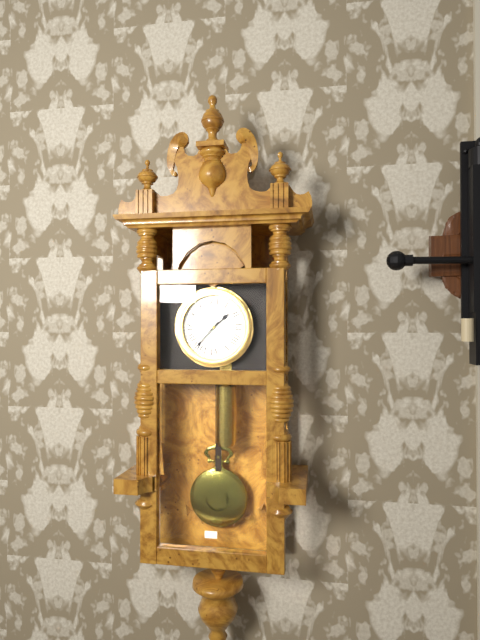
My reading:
{"hour": 1, "minute": 37}
